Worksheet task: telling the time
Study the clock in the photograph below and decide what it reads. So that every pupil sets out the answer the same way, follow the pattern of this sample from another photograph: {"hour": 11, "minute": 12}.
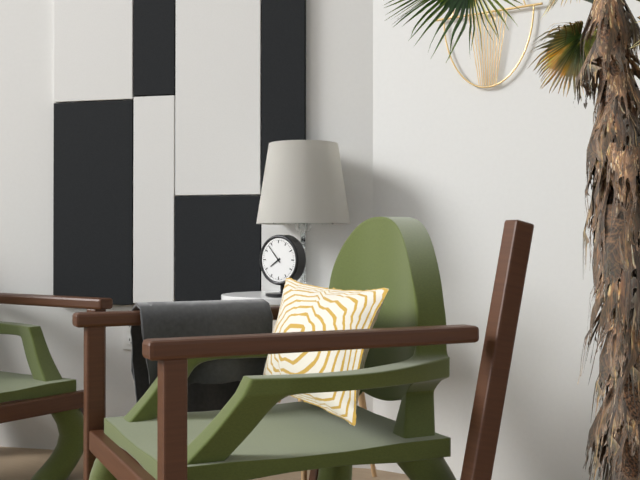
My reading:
{"hour": 7, "minute": 53}
